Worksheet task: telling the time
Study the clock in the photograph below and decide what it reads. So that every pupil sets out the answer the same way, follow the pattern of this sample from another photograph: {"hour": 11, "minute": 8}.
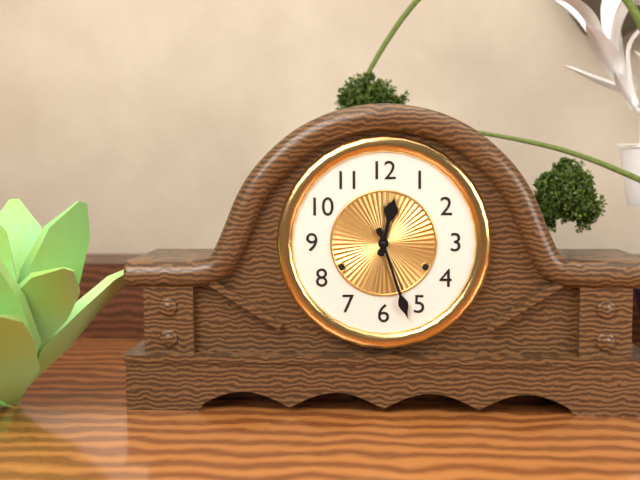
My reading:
{"hour": 12, "minute": 27}
